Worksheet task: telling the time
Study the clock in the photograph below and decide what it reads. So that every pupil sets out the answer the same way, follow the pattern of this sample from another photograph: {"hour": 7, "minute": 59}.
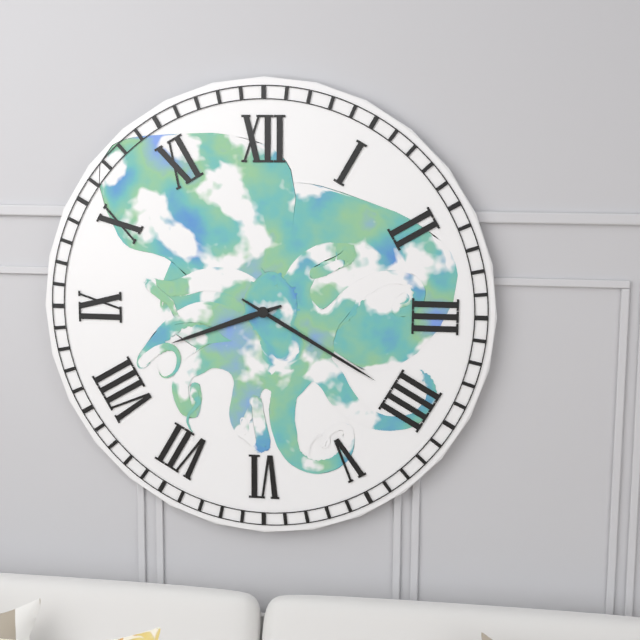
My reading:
{"hour": 8, "minute": 20}
